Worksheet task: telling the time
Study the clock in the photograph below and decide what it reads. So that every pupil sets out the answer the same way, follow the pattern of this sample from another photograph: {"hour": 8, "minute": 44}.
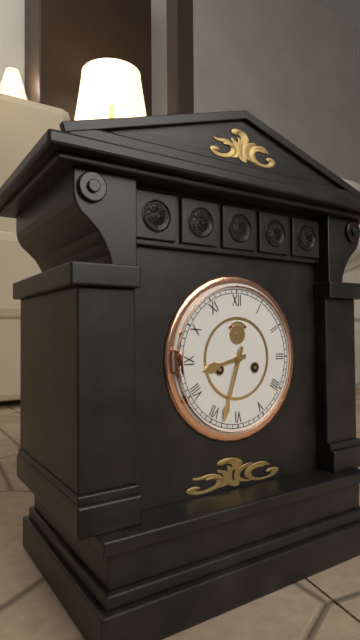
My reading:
{"hour": 8, "minute": 33}
